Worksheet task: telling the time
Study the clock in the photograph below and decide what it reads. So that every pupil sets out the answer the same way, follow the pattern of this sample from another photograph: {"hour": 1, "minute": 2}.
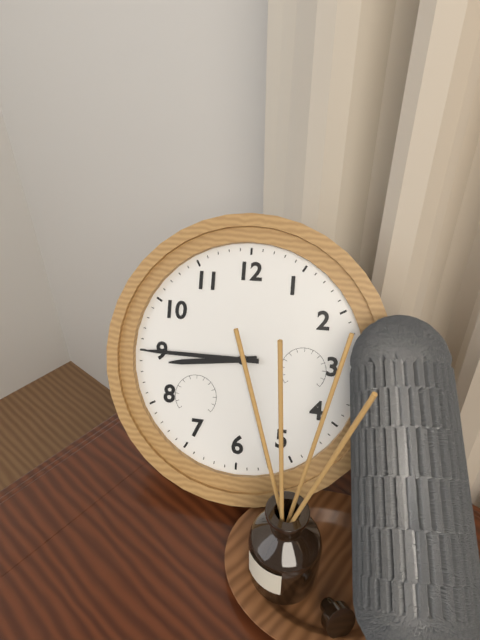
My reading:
{"hour": 8, "minute": 45}
